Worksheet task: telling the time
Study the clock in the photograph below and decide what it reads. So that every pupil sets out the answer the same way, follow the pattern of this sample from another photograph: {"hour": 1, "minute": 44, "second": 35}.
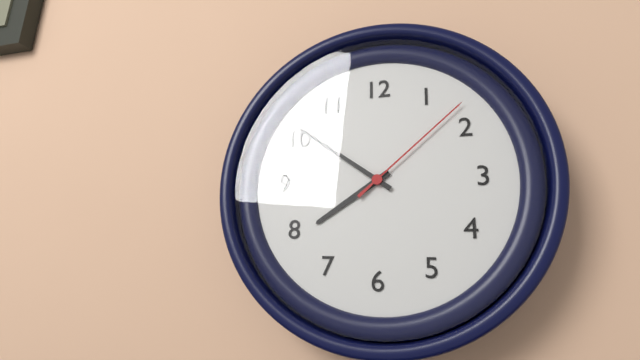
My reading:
{"hour": 7, "minute": 51, "second": 8}
